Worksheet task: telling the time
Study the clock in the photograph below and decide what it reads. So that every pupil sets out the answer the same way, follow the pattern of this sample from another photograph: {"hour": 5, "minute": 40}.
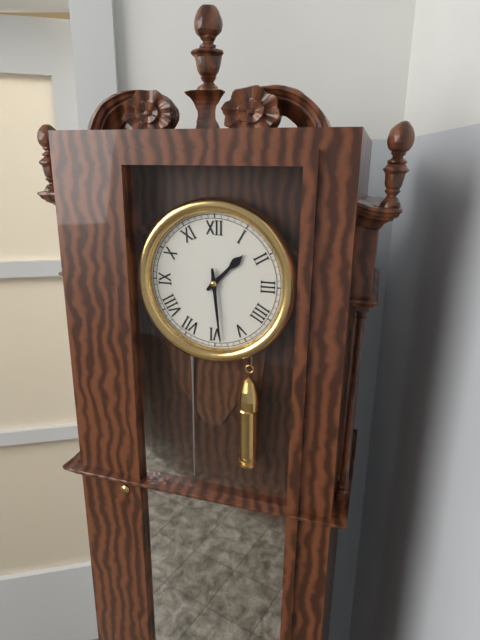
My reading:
{"hour": 1, "minute": 29}
